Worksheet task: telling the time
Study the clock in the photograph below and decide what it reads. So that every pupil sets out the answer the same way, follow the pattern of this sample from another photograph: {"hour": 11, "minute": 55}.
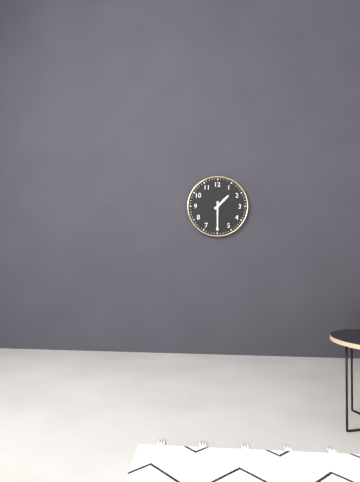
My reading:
{"hour": 1, "minute": 30}
